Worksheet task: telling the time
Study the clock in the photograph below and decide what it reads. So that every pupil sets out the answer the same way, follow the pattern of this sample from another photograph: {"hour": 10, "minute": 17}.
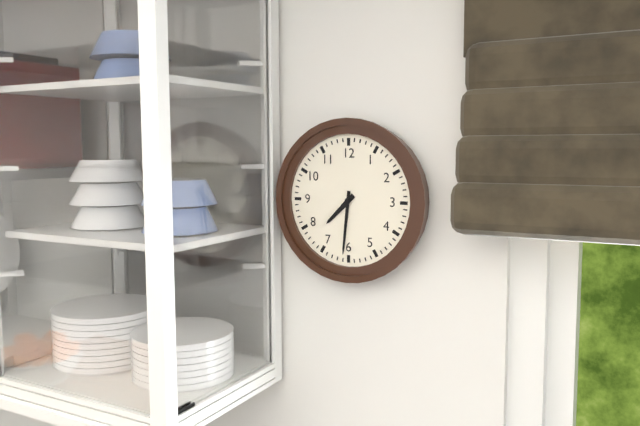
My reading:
{"hour": 7, "minute": 31}
